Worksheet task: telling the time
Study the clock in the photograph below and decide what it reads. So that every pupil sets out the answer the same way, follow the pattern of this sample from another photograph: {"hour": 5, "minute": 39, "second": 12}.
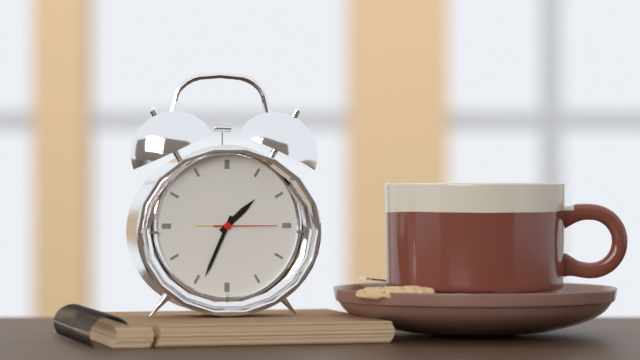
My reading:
{"hour": 1, "minute": 34, "second": 15}
